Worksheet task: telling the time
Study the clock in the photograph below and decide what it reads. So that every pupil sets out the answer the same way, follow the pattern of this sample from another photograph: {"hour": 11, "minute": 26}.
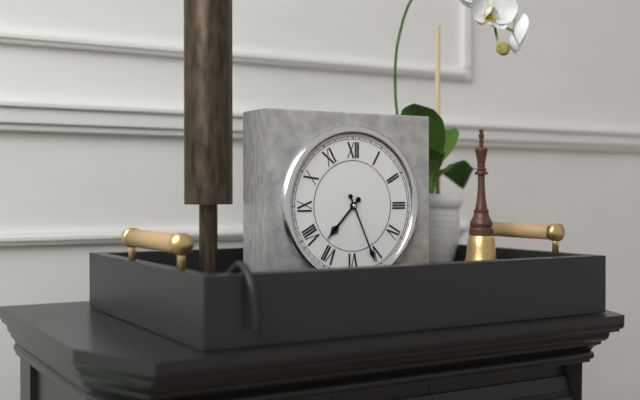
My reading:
{"hour": 7, "minute": 26}
